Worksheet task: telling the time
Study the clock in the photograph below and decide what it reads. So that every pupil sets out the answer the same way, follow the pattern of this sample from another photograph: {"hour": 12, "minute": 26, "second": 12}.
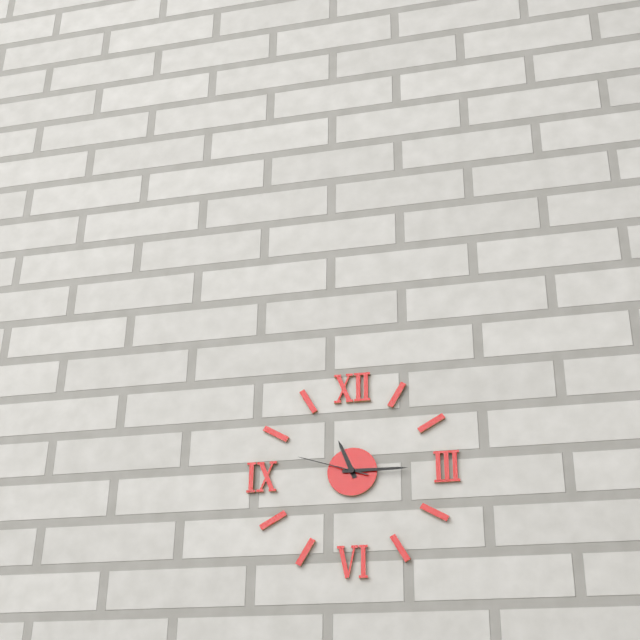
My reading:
{"hour": 11, "minute": 15, "second": 48}
